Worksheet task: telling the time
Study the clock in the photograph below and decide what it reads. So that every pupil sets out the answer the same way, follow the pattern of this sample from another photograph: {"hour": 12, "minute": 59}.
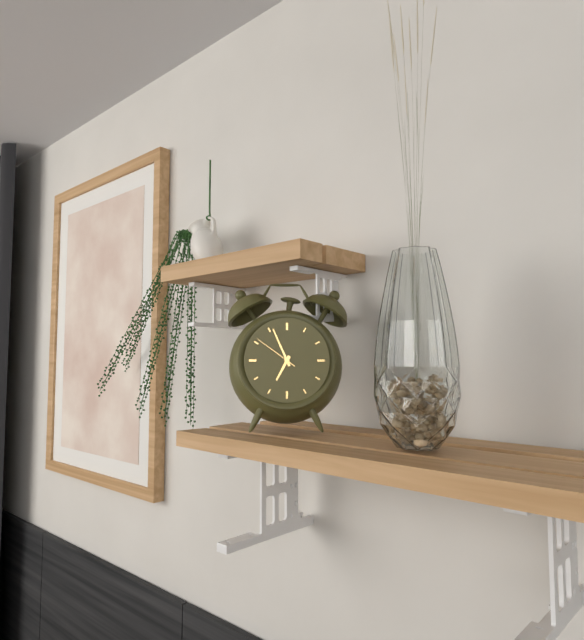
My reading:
{"hour": 6, "minute": 56}
